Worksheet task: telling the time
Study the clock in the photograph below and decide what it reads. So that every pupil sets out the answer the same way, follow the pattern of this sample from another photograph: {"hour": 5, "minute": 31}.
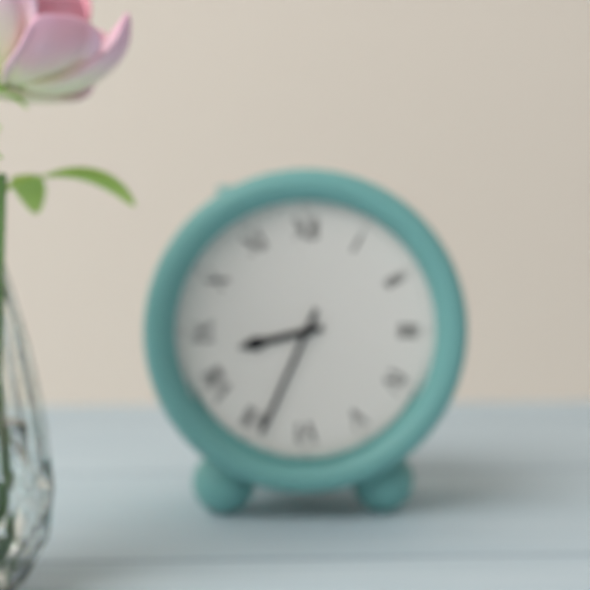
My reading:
{"hour": 8, "minute": 34}
